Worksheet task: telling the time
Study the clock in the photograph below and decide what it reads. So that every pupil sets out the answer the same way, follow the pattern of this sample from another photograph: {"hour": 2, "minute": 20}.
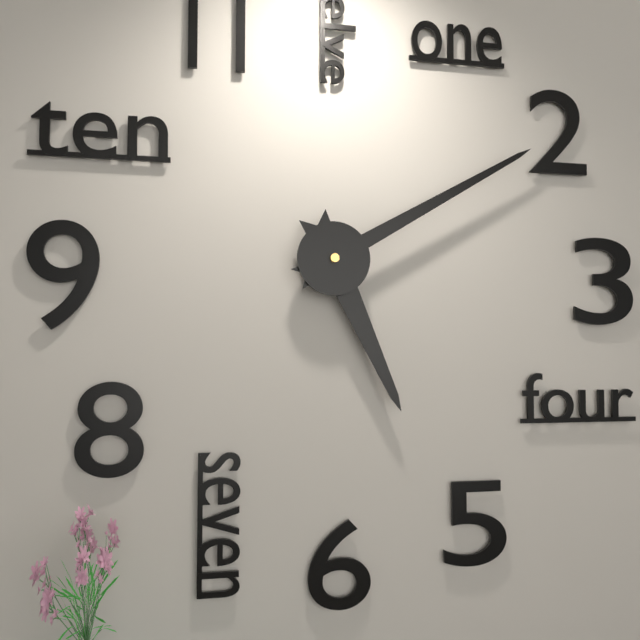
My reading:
{"hour": 5, "minute": 10}
